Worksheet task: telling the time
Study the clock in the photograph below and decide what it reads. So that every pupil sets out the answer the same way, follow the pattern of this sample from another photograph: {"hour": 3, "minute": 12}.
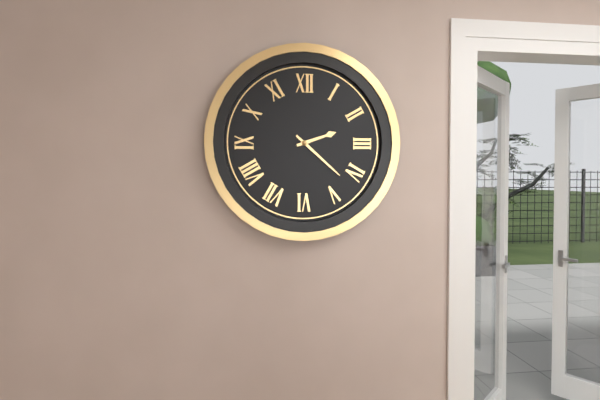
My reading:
{"hour": 2, "minute": 22}
